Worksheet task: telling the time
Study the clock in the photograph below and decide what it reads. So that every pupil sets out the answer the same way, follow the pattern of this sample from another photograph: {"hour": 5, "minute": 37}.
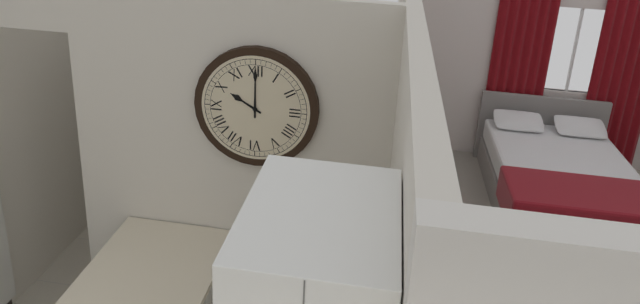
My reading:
{"hour": 10, "minute": 0}
